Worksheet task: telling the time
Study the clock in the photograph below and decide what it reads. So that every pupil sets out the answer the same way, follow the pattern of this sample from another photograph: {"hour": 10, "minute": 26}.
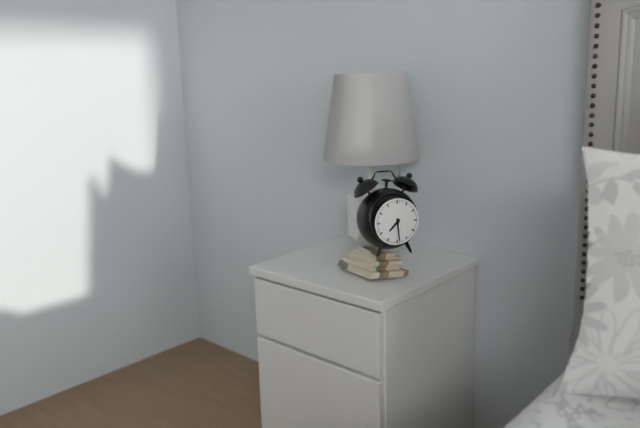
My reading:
{"hour": 7, "minute": 29}
